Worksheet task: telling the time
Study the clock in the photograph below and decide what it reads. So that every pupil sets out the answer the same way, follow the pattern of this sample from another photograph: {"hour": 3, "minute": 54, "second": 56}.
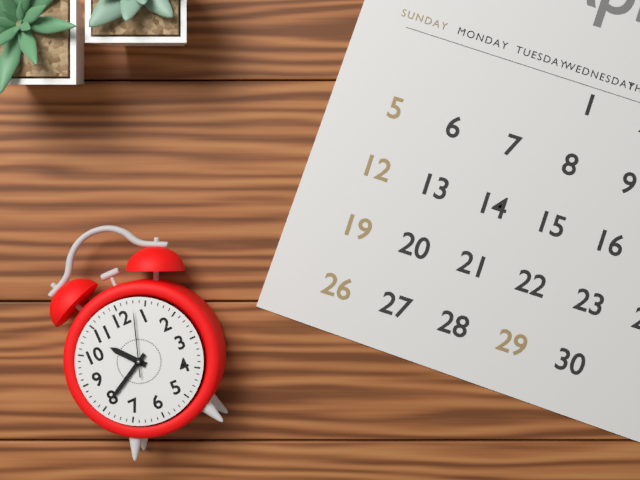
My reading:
{"hour": 10, "minute": 40, "second": 3}
